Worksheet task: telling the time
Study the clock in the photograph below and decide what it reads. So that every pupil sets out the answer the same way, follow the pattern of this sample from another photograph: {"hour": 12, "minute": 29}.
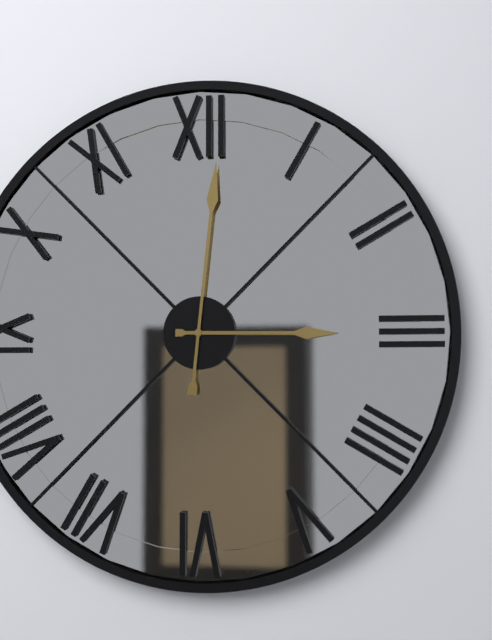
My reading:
{"hour": 3, "minute": 1}
